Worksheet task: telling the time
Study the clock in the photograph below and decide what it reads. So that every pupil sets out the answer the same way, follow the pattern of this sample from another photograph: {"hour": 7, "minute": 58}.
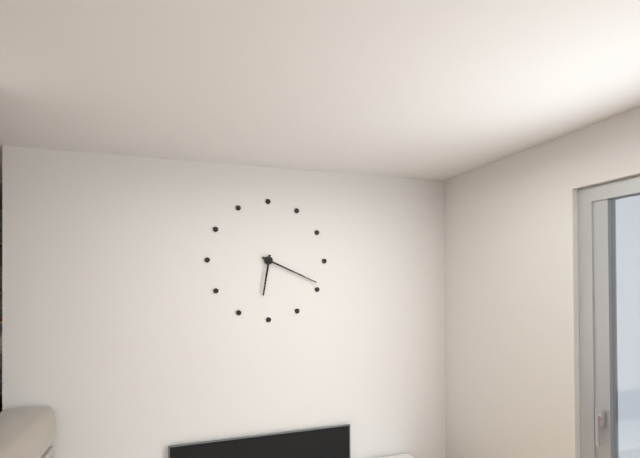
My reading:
{"hour": 6, "minute": 19}
